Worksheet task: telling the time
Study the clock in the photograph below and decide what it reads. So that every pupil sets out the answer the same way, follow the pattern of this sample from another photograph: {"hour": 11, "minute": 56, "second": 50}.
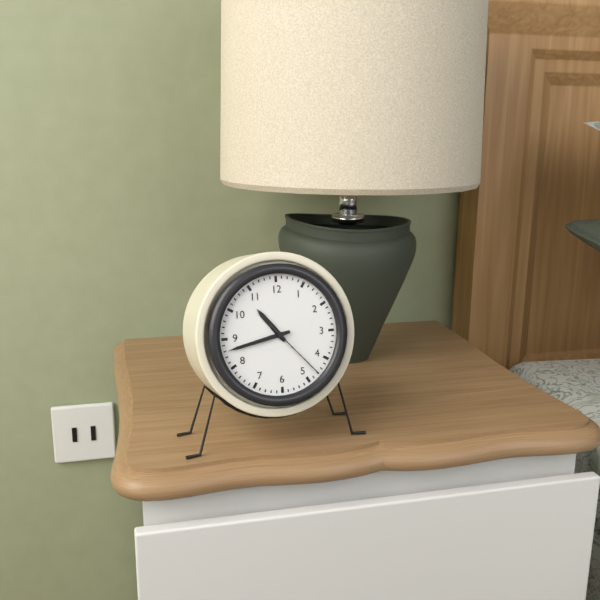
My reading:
{"hour": 10, "minute": 43, "second": 23}
